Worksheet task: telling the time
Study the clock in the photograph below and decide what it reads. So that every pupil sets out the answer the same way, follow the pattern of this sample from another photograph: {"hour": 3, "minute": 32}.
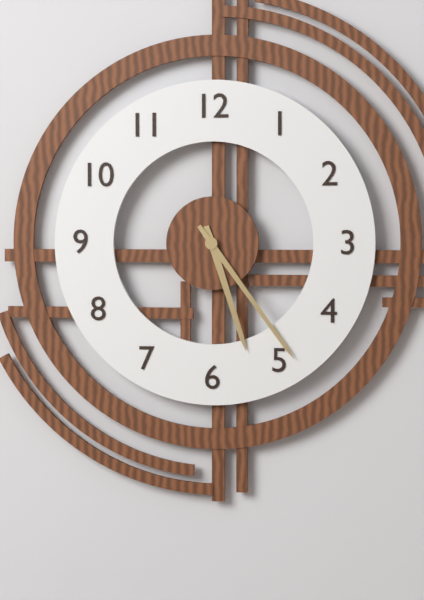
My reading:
{"hour": 5, "minute": 24}
